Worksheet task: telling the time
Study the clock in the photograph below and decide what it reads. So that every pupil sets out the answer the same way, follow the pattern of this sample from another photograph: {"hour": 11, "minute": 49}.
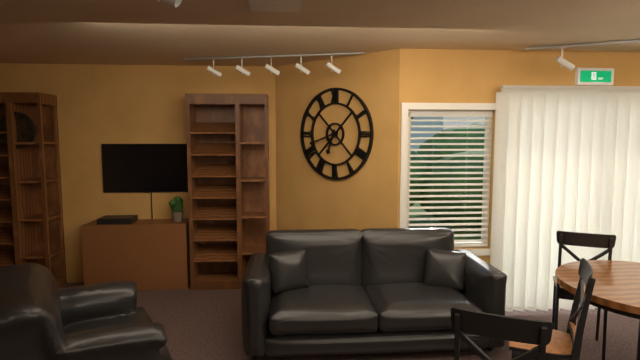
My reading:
{"hour": 6, "minute": 42}
